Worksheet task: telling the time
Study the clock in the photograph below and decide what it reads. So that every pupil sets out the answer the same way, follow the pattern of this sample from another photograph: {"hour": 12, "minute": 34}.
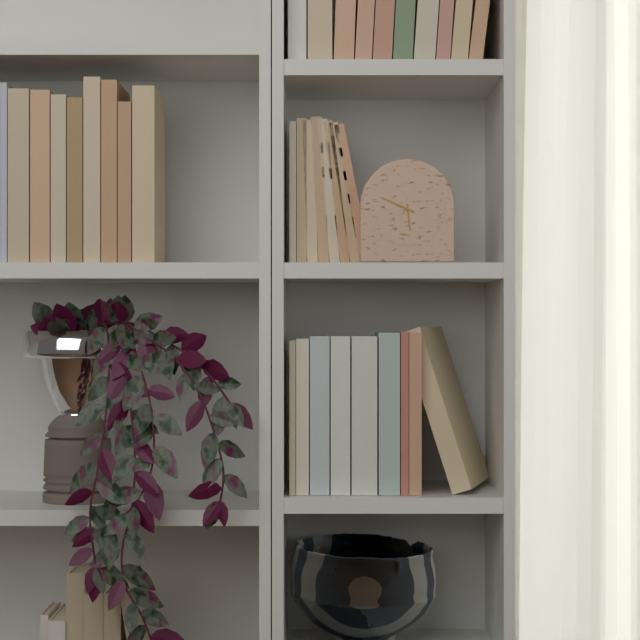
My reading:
{"hour": 5, "minute": 49}
